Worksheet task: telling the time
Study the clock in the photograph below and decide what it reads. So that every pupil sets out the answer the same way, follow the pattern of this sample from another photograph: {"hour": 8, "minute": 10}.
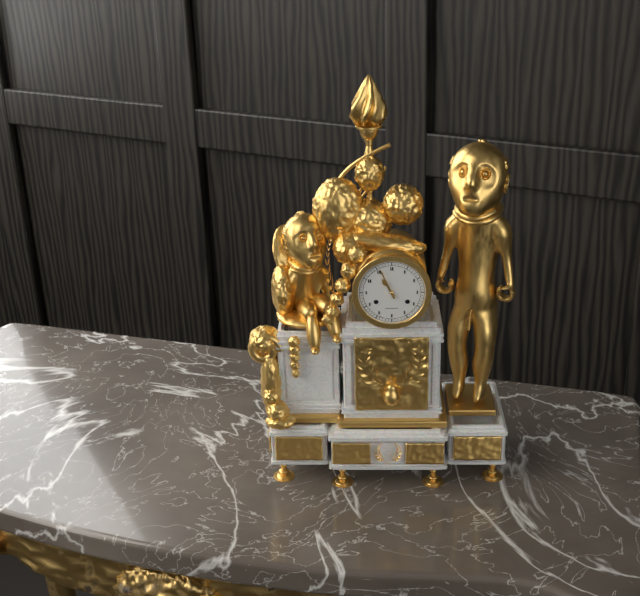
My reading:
{"hour": 10, "minute": 56}
